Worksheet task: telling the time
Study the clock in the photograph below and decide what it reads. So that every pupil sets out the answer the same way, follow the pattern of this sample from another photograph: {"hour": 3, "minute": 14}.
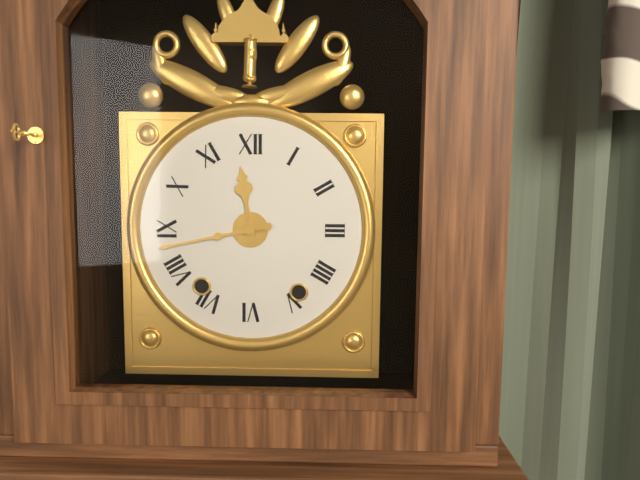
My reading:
{"hour": 11, "minute": 43}
